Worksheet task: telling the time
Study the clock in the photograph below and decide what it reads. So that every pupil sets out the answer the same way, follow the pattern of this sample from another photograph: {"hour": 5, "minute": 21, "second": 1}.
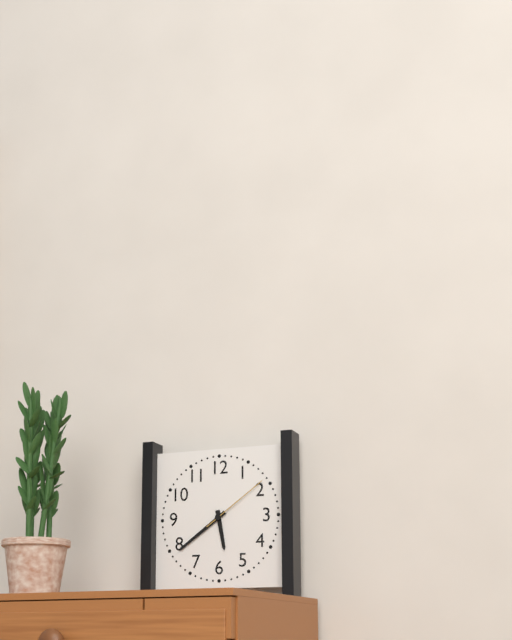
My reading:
{"hour": 5, "minute": 39, "second": 9}
